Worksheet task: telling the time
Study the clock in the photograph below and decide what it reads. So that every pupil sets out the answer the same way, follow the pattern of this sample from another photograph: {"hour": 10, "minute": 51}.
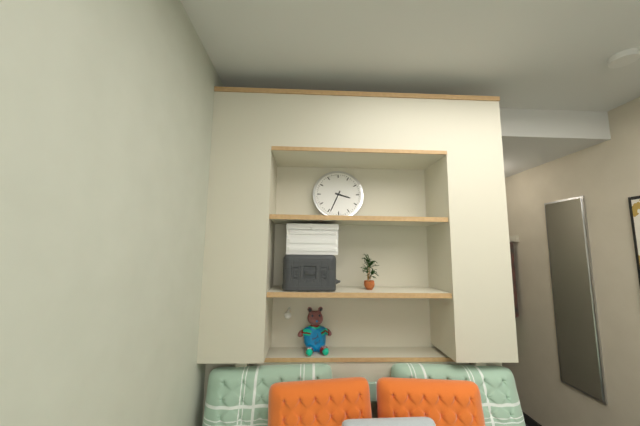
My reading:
{"hour": 3, "minute": 34}
